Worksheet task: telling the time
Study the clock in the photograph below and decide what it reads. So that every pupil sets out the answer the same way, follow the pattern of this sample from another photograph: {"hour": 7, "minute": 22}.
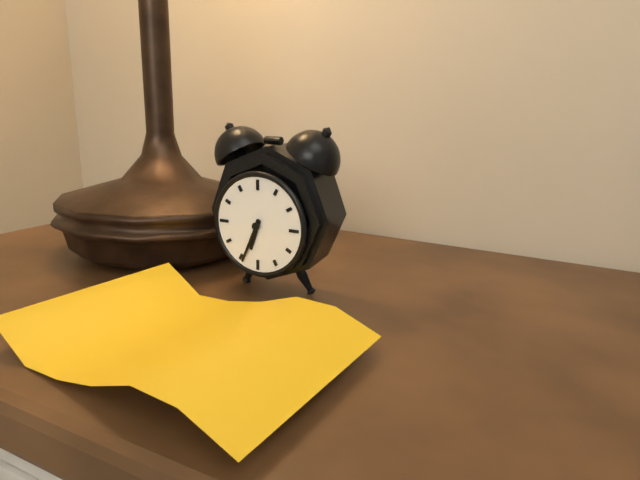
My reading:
{"hour": 6, "minute": 34}
